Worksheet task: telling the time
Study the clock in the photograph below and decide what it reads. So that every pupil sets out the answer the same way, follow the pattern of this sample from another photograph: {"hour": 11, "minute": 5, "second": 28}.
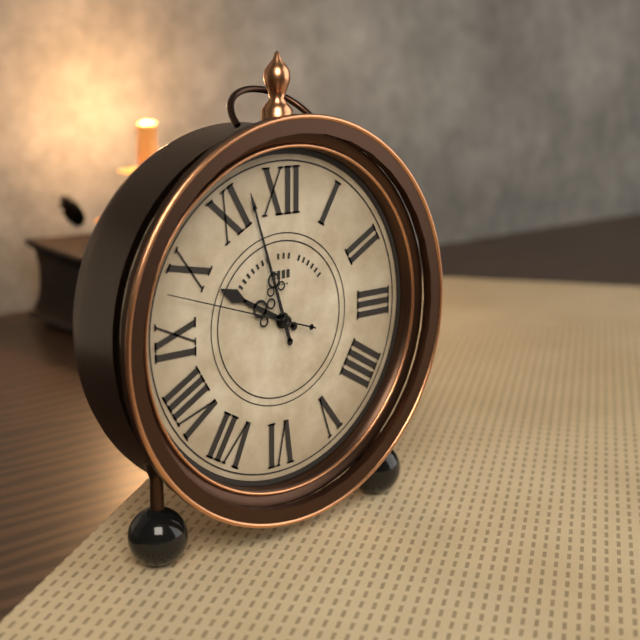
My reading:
{"hour": 9, "minute": 57, "second": 48}
